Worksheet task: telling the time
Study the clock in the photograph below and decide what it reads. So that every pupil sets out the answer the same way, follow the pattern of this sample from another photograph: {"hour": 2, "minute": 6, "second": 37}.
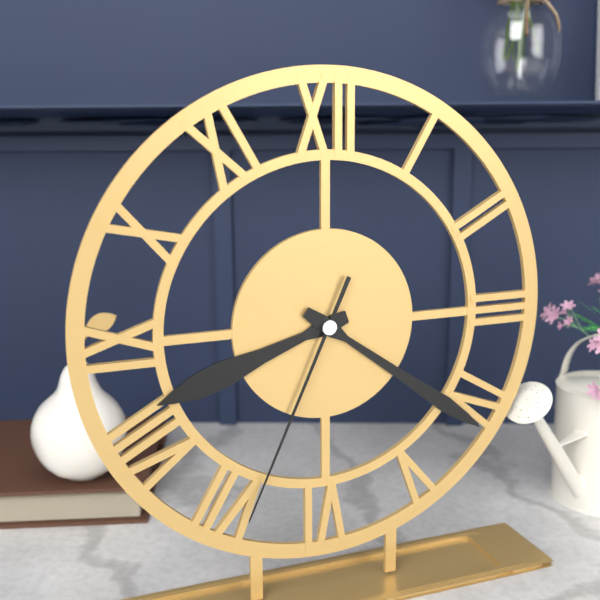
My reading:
{"hour": 8, "minute": 21, "second": 34}
